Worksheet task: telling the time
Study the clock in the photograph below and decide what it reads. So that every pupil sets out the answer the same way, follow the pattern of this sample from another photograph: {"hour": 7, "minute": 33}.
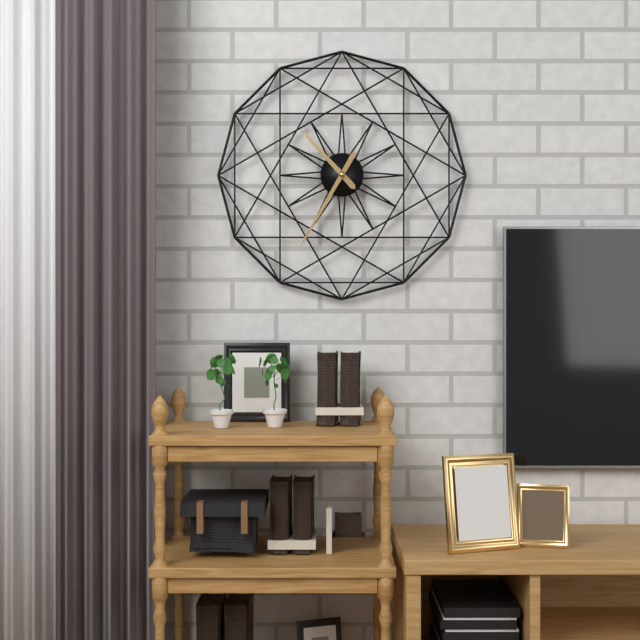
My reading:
{"hour": 10, "minute": 35}
